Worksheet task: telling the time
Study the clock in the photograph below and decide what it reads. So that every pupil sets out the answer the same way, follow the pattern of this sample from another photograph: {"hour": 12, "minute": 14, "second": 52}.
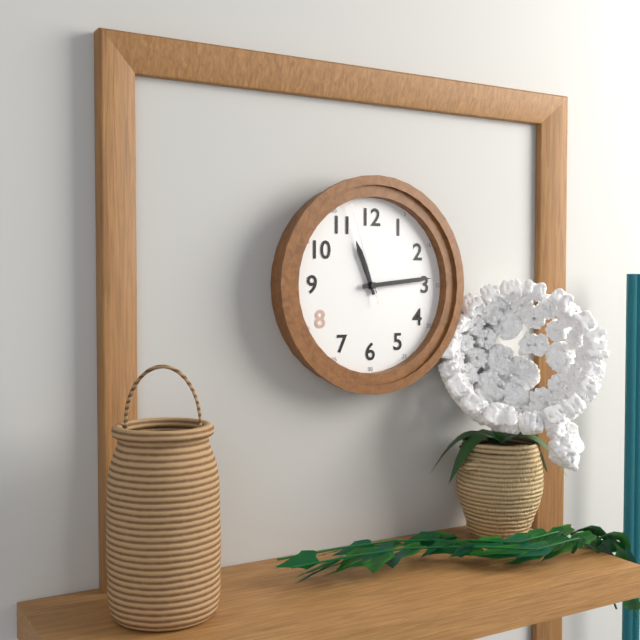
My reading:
{"hour": 11, "minute": 14, "second": 57}
